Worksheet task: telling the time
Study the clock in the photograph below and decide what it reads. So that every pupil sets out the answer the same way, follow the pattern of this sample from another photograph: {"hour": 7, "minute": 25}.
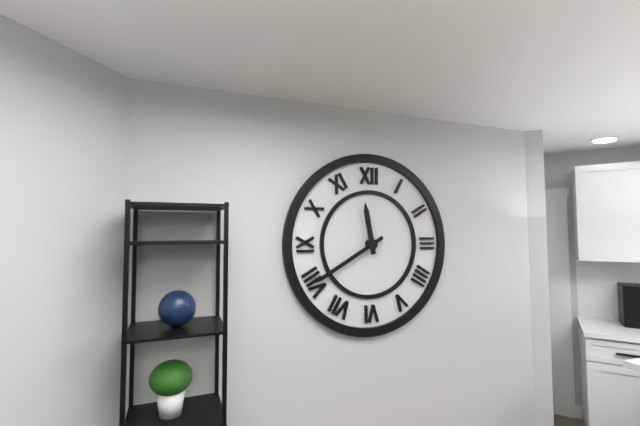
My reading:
{"hour": 11, "minute": 40}
